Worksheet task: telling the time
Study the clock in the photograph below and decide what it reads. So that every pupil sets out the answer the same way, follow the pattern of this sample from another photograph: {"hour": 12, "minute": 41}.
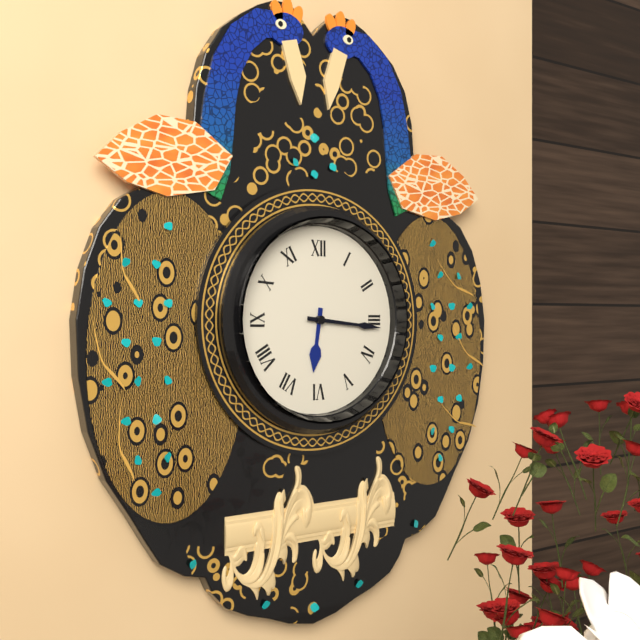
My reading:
{"hour": 6, "minute": 16}
